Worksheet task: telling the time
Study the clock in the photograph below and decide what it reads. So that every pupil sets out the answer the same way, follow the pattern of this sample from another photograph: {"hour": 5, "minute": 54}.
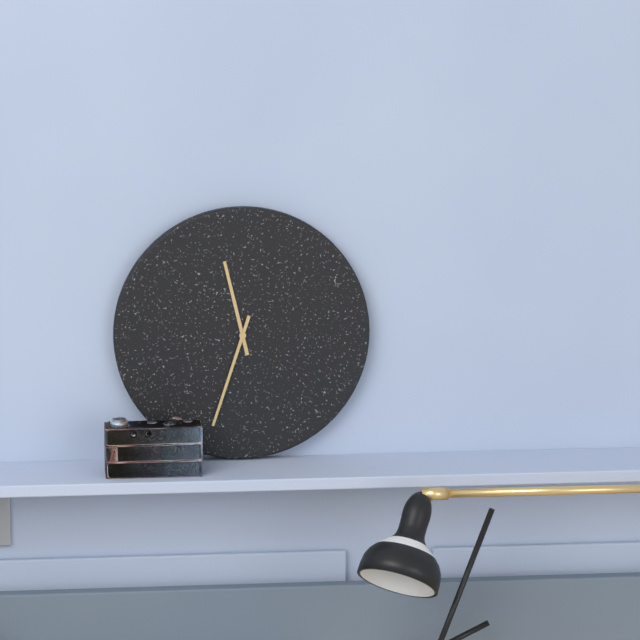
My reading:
{"hour": 11, "minute": 33}
